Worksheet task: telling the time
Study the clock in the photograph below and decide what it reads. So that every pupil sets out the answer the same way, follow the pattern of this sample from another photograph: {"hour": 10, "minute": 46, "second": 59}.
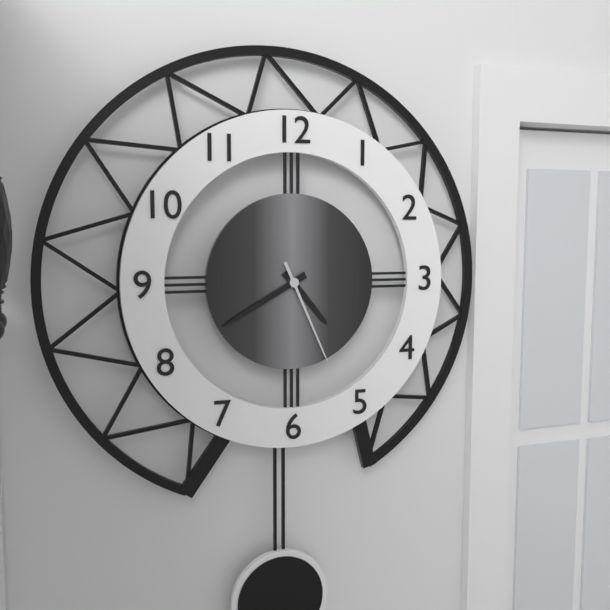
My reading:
{"hour": 4, "minute": 40, "second": 26}
